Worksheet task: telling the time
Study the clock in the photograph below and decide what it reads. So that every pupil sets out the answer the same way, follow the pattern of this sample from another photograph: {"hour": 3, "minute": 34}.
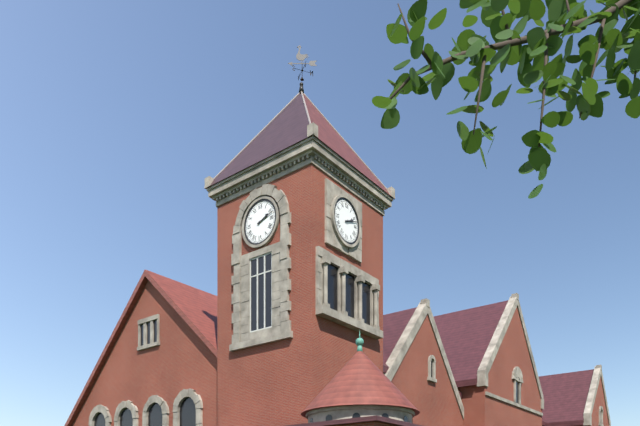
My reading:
{"hour": 2, "minute": 12}
